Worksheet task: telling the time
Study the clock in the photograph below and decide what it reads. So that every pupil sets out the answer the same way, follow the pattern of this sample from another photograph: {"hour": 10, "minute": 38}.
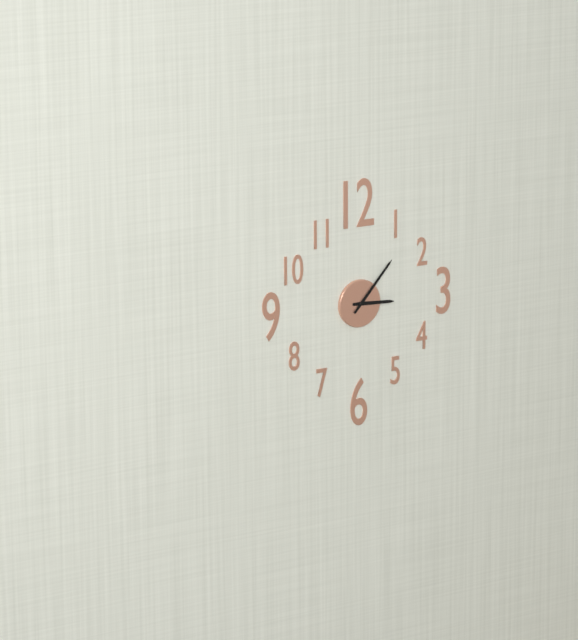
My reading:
{"hour": 3, "minute": 7}
